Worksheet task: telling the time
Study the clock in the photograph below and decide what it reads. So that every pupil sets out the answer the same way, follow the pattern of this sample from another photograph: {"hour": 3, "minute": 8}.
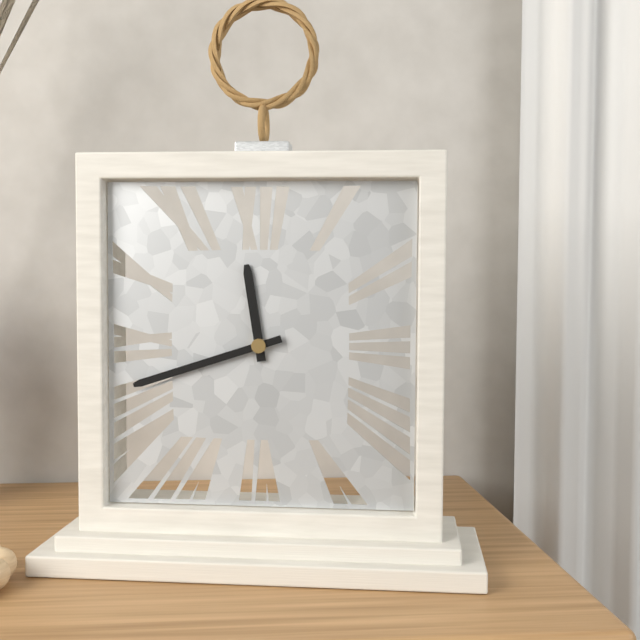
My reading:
{"hour": 11, "minute": 42}
